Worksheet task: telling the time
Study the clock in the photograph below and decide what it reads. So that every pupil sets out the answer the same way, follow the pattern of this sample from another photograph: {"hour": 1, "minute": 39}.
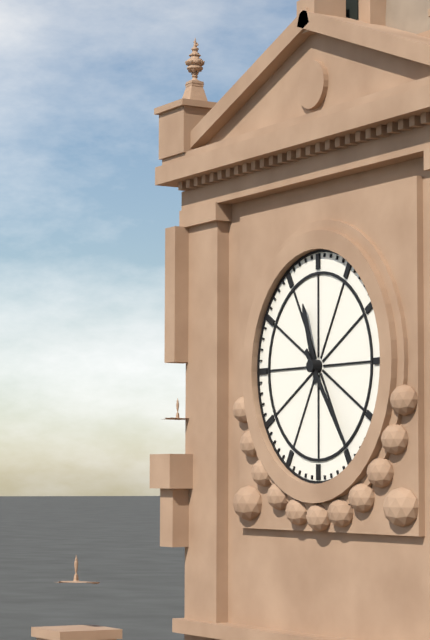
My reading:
{"hour": 11, "minute": 24}
